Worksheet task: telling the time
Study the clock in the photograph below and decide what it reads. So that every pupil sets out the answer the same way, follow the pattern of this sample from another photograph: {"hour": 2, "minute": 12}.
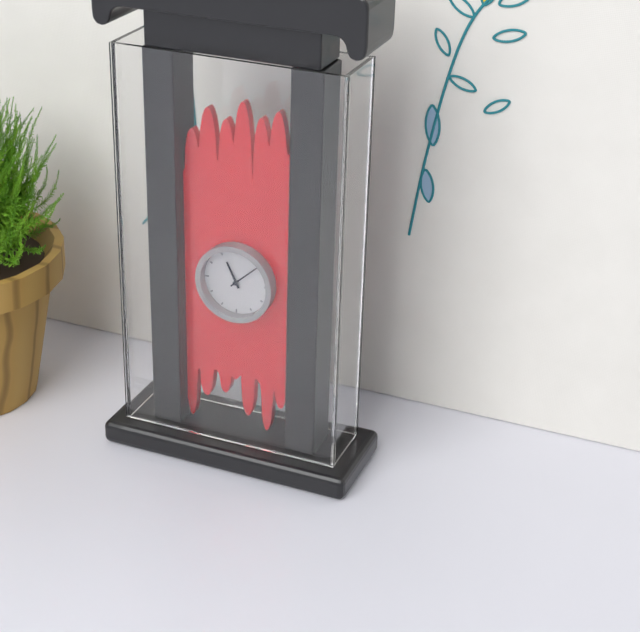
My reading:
{"hour": 11, "minute": 8}
